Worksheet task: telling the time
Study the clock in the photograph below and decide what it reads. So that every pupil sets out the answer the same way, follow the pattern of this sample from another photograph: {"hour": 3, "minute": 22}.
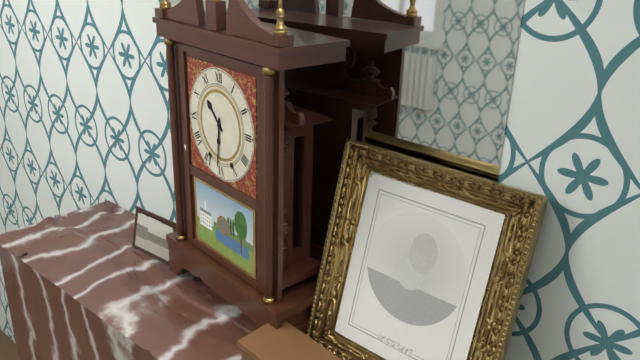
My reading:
{"hour": 10, "minute": 31}
